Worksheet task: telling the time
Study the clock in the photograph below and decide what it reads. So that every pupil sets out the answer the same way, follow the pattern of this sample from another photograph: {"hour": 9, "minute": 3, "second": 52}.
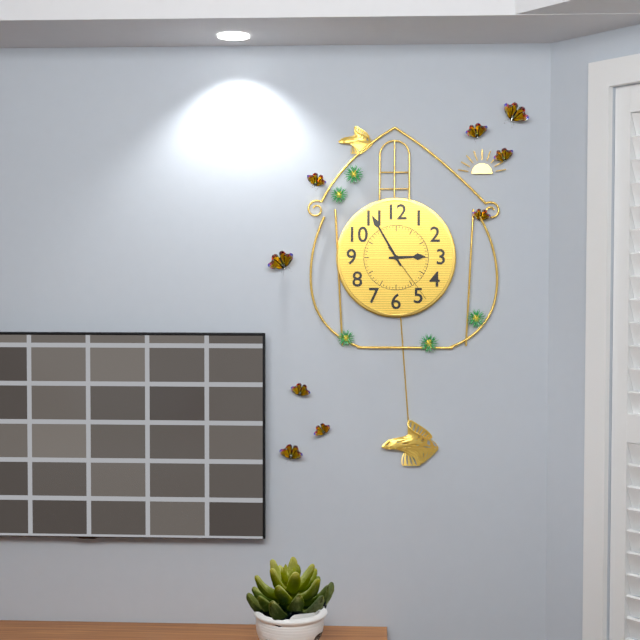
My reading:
{"hour": 2, "minute": 55, "second": 24}
